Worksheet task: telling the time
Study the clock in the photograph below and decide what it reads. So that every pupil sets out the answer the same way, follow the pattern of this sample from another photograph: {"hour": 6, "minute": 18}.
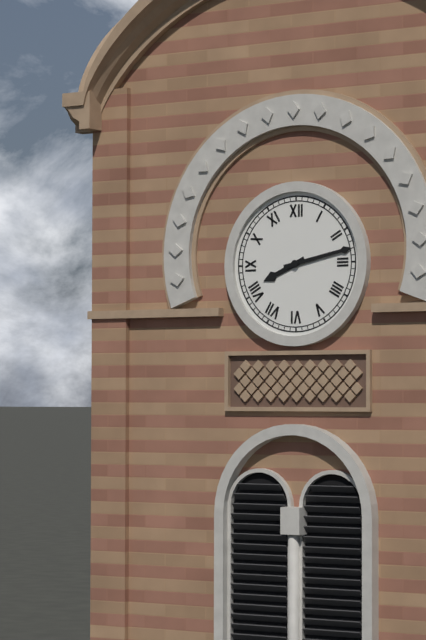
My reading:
{"hour": 8, "minute": 13}
